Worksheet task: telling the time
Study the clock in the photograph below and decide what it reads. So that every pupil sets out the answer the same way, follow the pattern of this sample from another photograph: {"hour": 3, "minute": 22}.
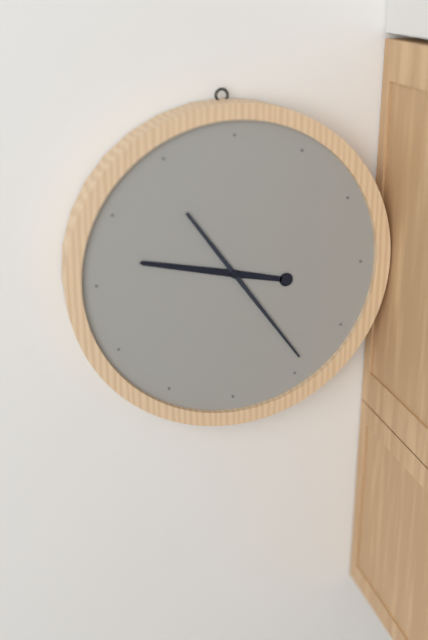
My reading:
{"hour": 9, "minute": 24}
